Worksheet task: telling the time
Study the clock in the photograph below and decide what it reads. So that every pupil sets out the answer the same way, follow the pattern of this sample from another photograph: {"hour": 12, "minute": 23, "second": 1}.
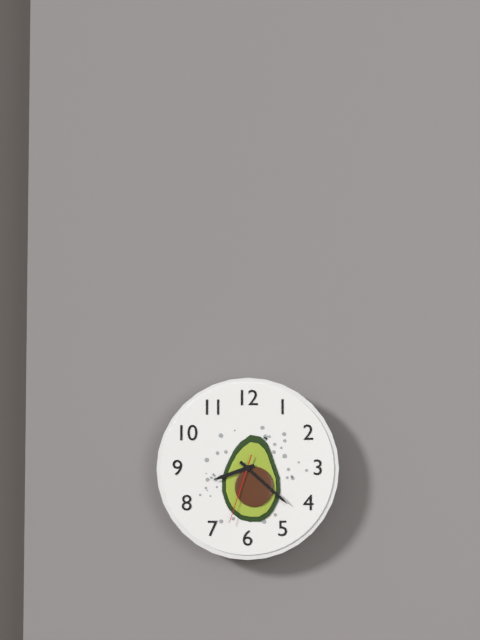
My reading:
{"hour": 8, "minute": 22, "second": 33}
